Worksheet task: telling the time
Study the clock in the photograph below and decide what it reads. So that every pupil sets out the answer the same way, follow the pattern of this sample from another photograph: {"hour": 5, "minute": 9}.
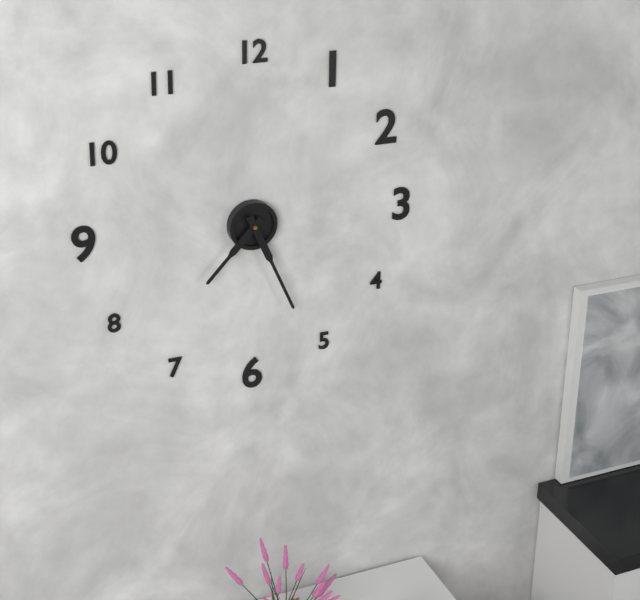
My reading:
{"hour": 7, "minute": 26}
